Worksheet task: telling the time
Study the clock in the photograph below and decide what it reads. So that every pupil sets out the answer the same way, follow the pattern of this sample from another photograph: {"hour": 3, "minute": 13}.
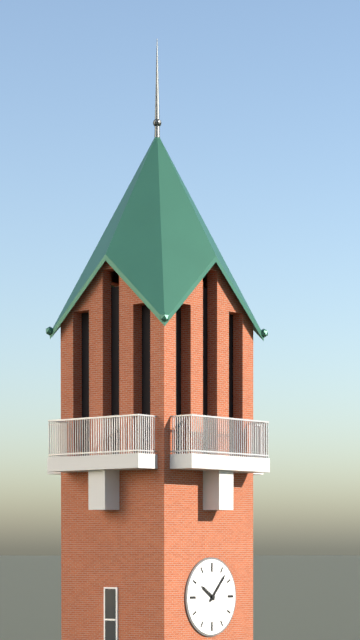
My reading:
{"hour": 10, "minute": 7}
